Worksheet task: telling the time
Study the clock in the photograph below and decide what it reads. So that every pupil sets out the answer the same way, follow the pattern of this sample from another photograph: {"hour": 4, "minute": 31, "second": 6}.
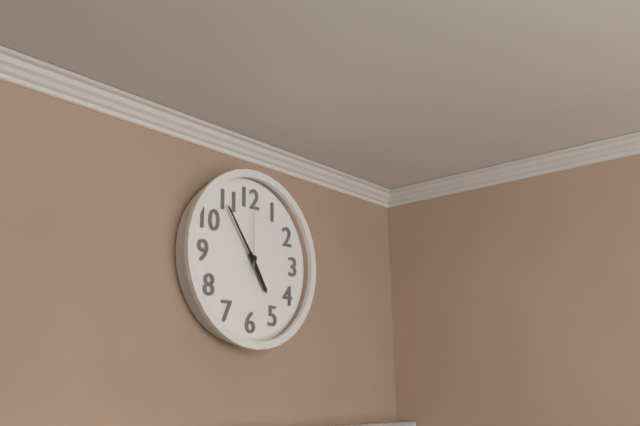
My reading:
{"hour": 4, "minute": 54, "second": 0}
